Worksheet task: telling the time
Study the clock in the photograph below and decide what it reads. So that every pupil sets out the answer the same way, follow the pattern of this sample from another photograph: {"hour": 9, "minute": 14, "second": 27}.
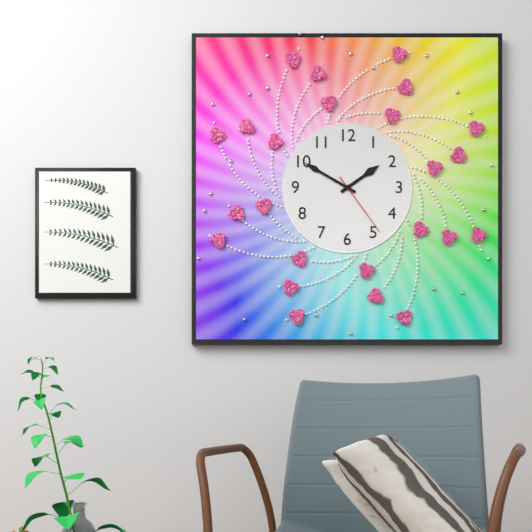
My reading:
{"hour": 1, "minute": 50, "second": 24}
